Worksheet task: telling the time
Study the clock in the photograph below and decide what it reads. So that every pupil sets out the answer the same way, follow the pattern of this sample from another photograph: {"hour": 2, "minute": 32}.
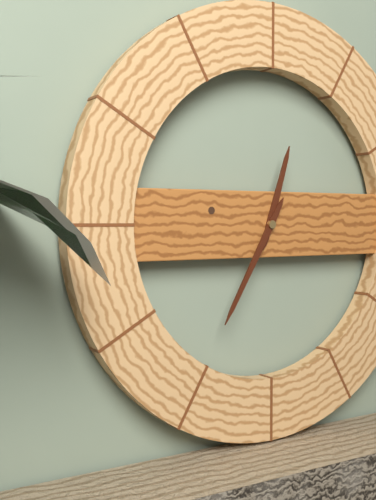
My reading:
{"hour": 12, "minute": 35}
